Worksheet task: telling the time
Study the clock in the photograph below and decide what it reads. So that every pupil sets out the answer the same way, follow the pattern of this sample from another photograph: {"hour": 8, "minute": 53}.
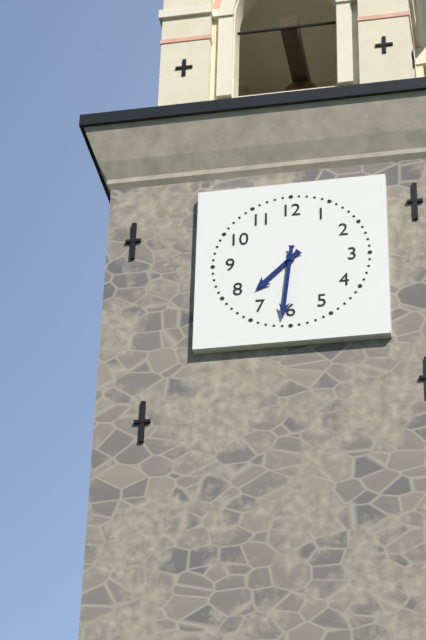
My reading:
{"hour": 7, "minute": 31}
